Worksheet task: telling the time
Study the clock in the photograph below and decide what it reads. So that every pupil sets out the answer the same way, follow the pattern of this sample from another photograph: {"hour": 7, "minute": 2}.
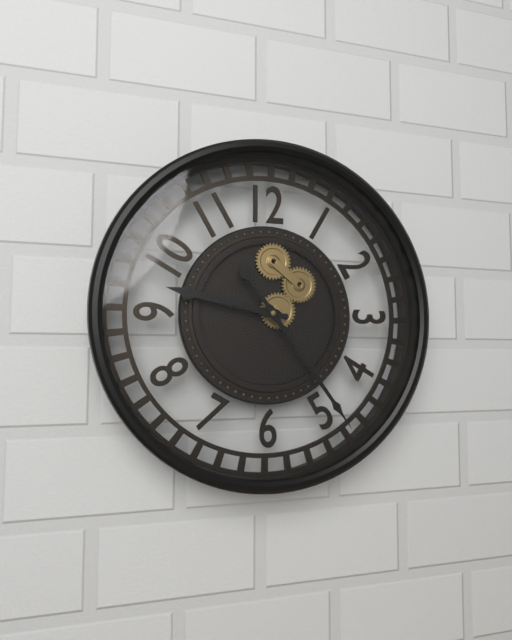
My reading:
{"hour": 9, "minute": 24}
